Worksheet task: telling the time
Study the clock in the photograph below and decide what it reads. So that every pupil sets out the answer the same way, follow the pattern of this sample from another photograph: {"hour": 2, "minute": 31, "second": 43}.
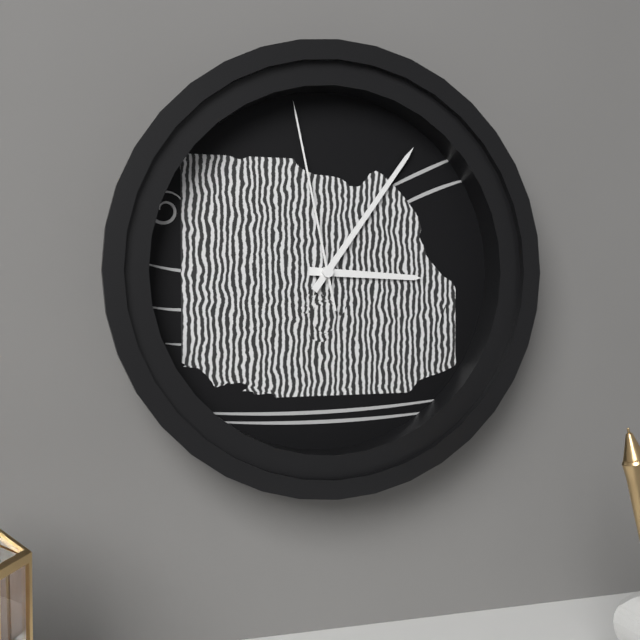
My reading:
{"hour": 3, "minute": 6, "second": 58}
